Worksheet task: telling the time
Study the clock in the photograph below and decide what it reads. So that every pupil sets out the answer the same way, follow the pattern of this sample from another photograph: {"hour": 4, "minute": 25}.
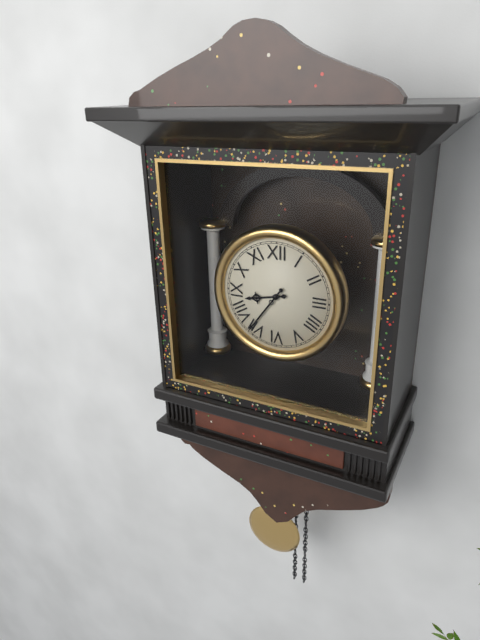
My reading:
{"hour": 8, "minute": 36}
